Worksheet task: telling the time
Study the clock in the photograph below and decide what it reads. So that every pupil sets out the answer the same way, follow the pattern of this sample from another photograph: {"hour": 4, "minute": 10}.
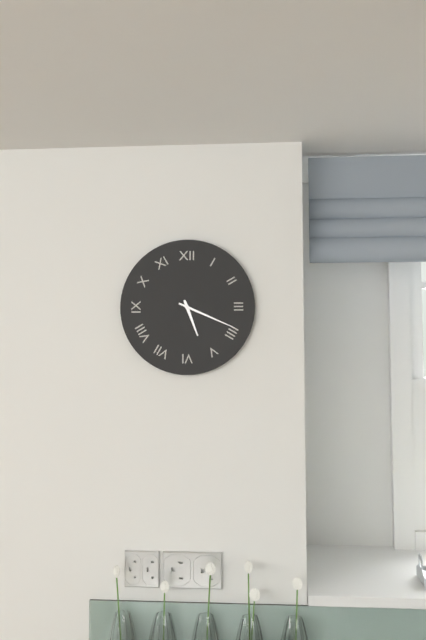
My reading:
{"hour": 5, "minute": 19}
